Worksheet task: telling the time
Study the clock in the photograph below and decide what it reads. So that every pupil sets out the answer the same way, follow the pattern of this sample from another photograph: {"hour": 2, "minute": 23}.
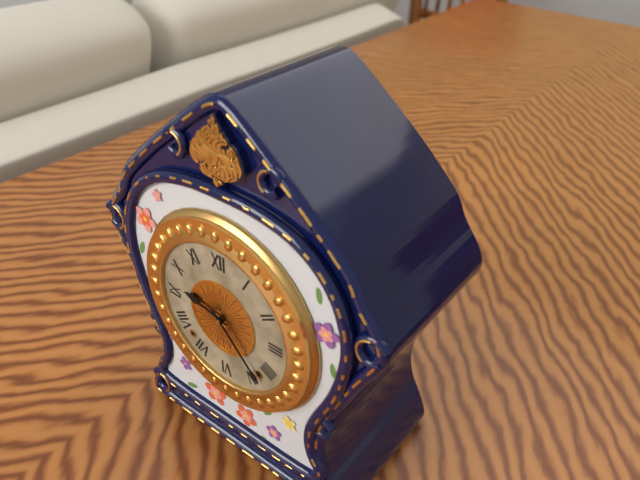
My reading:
{"hour": 9, "minute": 23}
